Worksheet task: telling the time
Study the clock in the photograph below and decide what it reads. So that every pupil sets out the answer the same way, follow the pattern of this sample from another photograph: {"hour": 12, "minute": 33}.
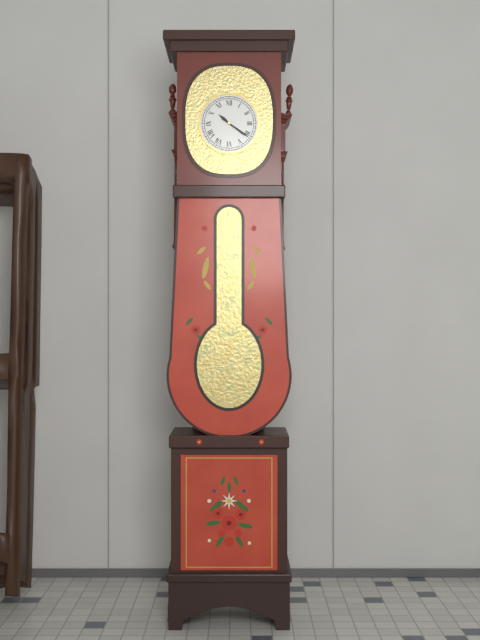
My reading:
{"hour": 10, "minute": 21}
